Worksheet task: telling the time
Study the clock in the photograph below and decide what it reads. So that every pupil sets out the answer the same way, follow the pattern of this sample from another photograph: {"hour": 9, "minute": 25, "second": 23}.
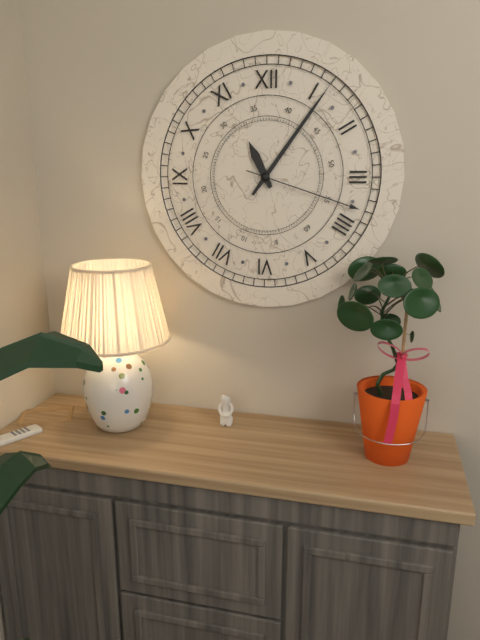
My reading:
{"hour": 11, "minute": 6, "second": 18}
